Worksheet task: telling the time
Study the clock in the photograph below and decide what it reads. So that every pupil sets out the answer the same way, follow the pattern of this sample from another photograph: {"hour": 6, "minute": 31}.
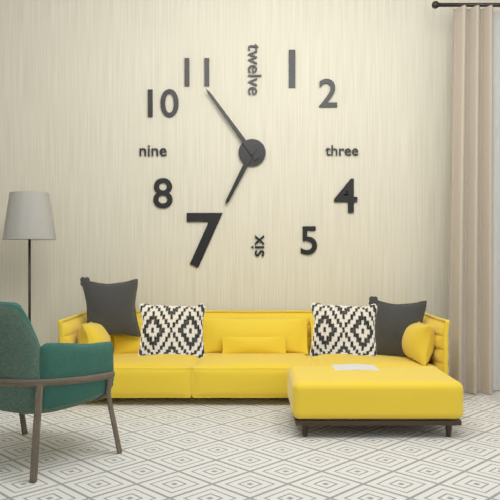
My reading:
{"hour": 6, "minute": 54}
